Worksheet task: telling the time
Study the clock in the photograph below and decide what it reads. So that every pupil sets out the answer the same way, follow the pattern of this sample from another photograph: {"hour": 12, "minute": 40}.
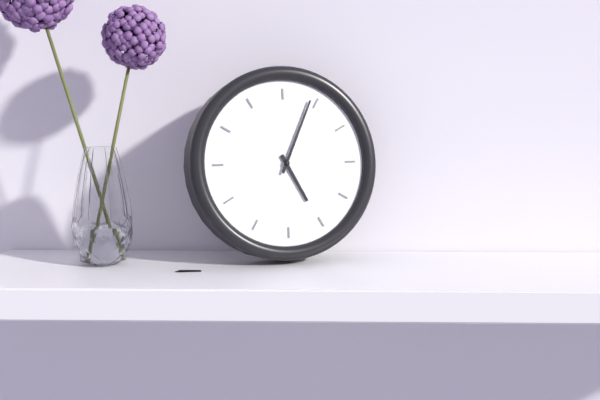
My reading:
{"hour": 5, "minute": 4}
